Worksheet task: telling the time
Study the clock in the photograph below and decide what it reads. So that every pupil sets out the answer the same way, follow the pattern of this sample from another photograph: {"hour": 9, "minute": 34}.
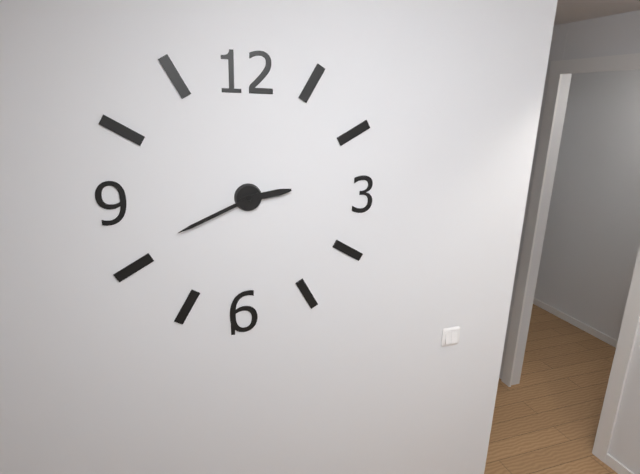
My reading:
{"hour": 2, "minute": 41}
